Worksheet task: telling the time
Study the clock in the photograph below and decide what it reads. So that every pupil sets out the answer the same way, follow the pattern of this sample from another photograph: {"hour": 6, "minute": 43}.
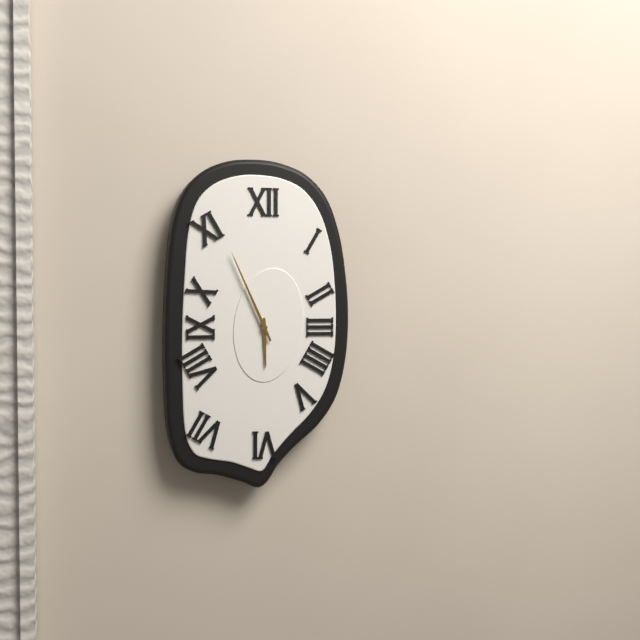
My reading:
{"hour": 5, "minute": 56}
